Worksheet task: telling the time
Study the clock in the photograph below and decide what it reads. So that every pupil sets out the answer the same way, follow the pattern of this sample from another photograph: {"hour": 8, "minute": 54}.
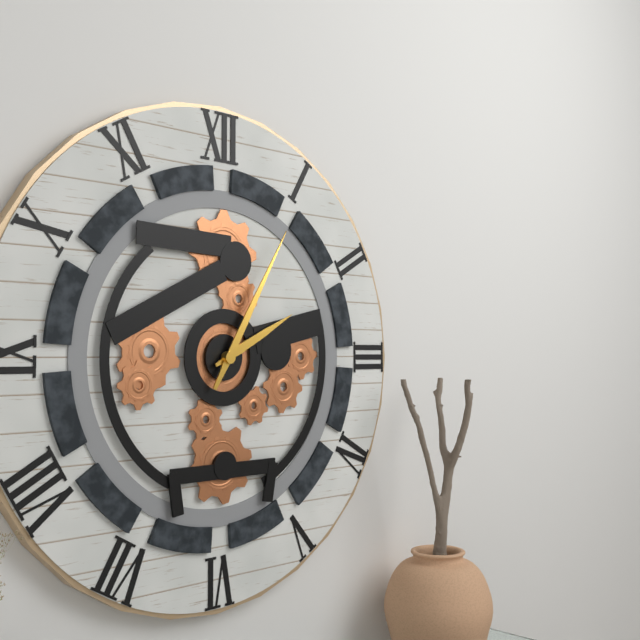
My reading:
{"hour": 2, "minute": 5}
